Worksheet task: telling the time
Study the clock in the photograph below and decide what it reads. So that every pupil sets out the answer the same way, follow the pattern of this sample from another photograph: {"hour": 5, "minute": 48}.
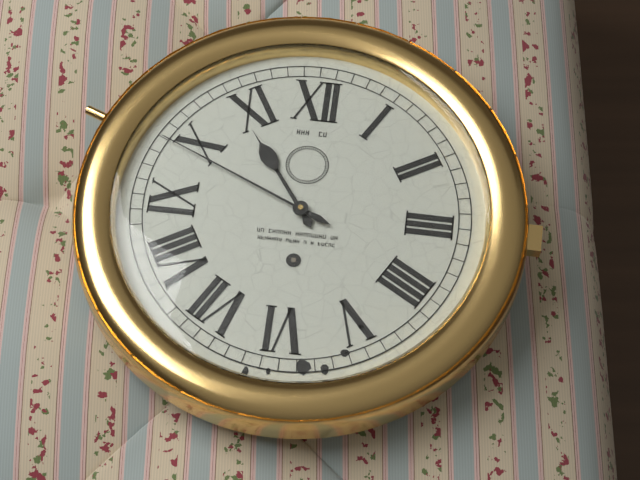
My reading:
{"hour": 10, "minute": 49}
